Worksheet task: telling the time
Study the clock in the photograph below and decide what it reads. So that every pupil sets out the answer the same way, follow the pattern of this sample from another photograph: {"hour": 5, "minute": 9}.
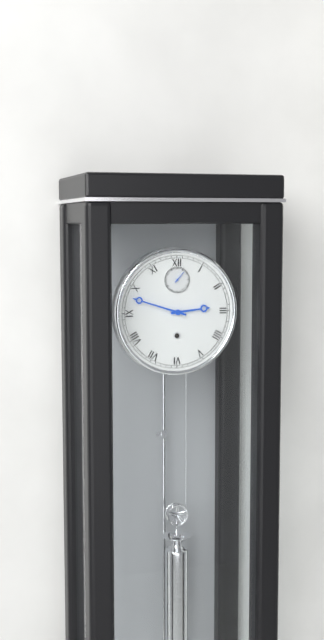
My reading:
{"hour": 2, "minute": 48}
